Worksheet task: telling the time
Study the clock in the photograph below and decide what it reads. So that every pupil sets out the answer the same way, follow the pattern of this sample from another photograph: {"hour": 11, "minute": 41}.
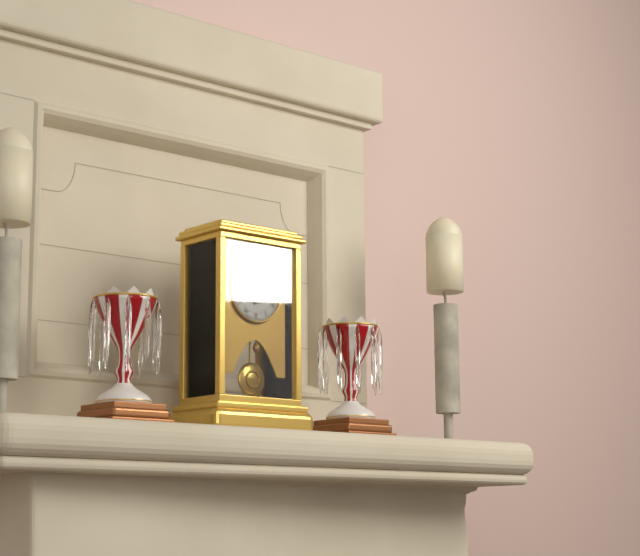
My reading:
{"hour": 6, "minute": 19}
